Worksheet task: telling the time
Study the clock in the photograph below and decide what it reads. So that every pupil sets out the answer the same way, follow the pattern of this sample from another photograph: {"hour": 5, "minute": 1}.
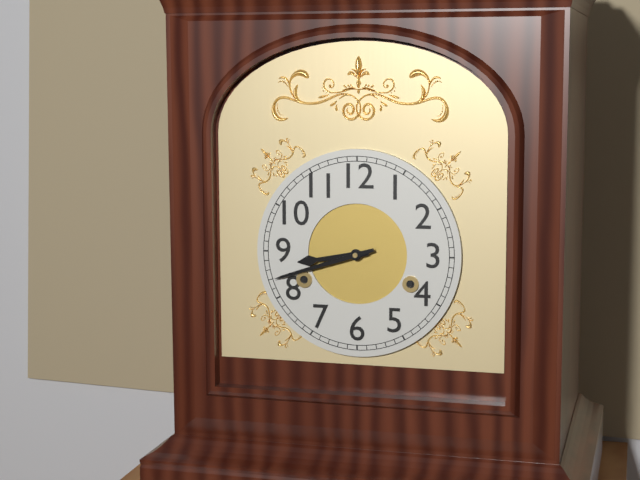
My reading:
{"hour": 8, "minute": 42}
